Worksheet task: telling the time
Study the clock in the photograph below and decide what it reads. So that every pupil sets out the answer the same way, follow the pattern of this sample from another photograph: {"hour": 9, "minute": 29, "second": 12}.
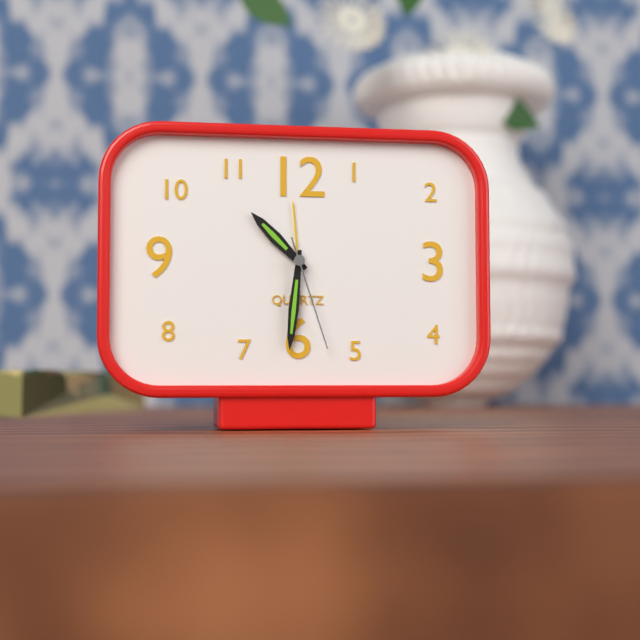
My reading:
{"hour": 10, "minute": 31, "second": 27}
